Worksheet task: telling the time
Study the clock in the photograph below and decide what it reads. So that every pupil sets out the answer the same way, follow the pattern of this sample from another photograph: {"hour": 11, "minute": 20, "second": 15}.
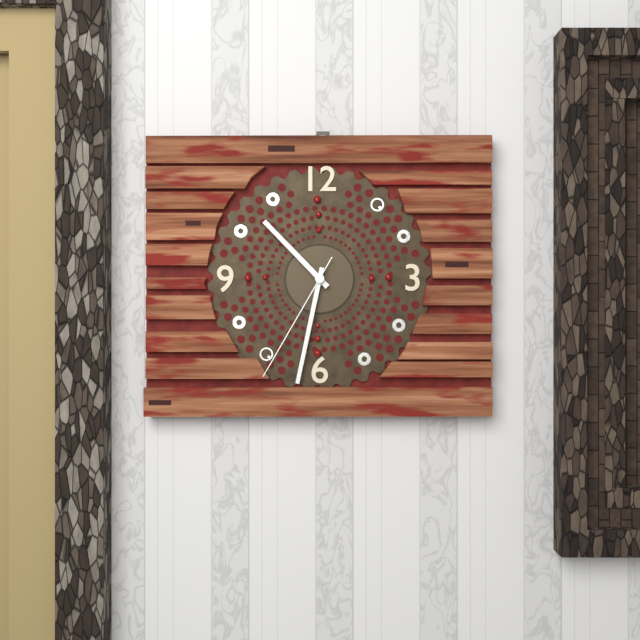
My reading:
{"hour": 10, "minute": 32, "second": 35}
